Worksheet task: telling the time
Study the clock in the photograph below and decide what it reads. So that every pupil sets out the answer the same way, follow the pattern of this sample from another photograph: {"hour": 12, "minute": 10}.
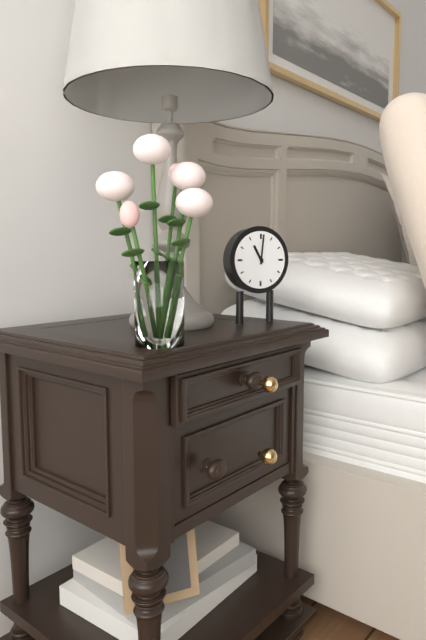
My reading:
{"hour": 11, "minute": 1}
